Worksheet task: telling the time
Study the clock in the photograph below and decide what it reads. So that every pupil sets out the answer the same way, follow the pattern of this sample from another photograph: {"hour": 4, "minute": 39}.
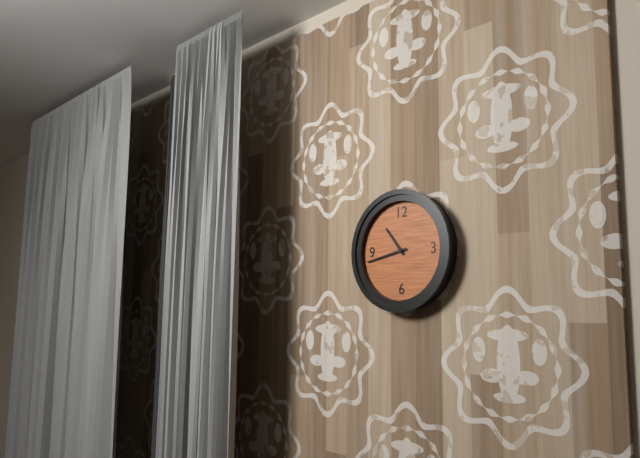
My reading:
{"hour": 10, "minute": 43}
